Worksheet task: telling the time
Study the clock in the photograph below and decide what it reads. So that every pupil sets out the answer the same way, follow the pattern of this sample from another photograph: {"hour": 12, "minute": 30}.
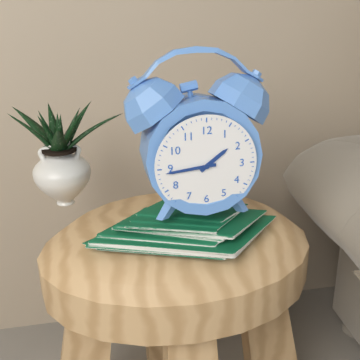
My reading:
{"hour": 1, "minute": 44}
